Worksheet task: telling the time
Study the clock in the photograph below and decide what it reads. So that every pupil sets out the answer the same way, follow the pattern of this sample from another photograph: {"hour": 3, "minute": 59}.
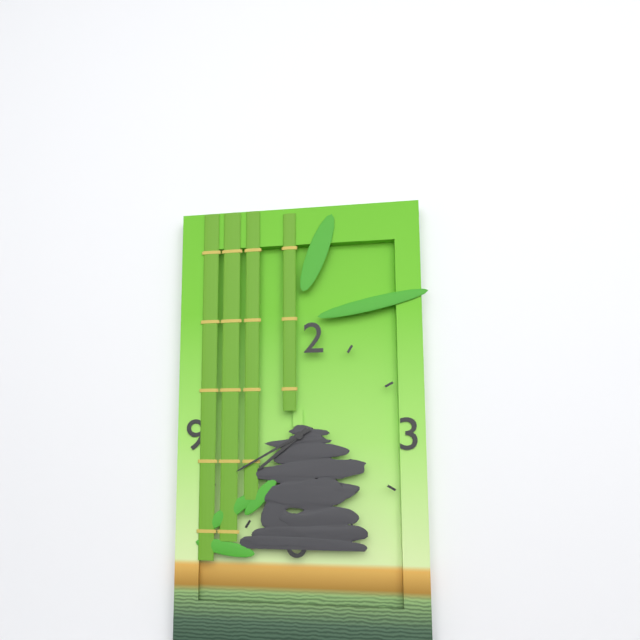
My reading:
{"hour": 7, "minute": 40}
